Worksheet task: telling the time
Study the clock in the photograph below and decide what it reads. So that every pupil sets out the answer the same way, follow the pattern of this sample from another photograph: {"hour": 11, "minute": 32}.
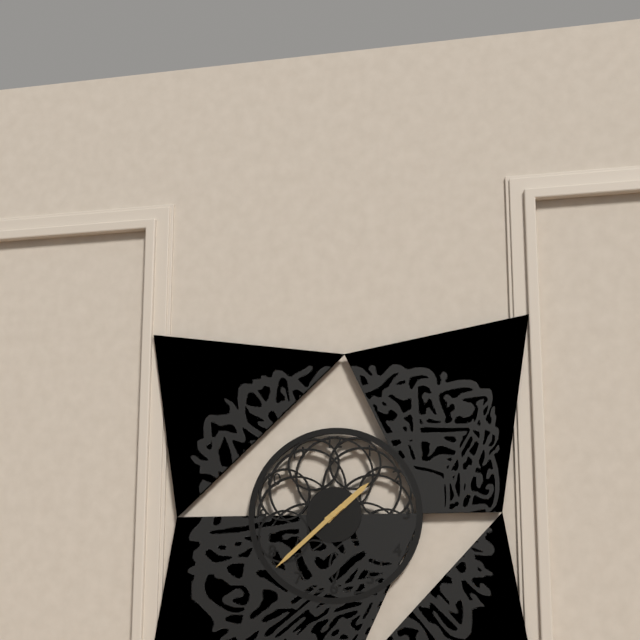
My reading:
{"hour": 1, "minute": 38}
